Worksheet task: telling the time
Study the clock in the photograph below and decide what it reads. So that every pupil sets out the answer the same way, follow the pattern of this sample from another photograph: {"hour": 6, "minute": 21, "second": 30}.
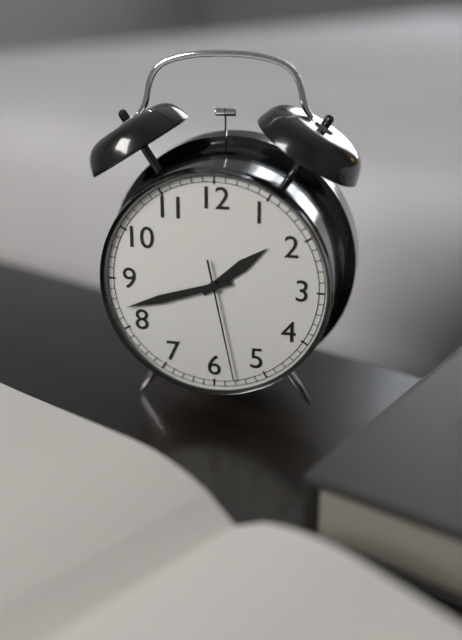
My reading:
{"hour": 1, "minute": 42, "second": 28}
